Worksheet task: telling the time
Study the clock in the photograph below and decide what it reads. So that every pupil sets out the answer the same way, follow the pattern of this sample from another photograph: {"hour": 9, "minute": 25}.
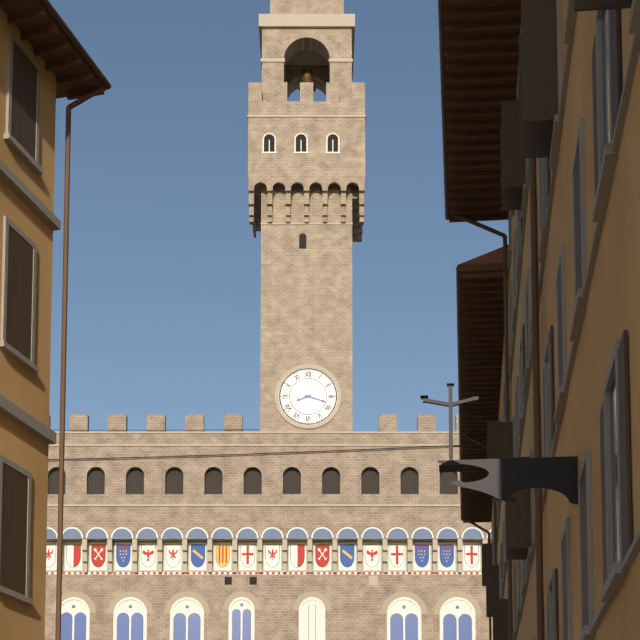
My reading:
{"hour": 8, "minute": 18}
